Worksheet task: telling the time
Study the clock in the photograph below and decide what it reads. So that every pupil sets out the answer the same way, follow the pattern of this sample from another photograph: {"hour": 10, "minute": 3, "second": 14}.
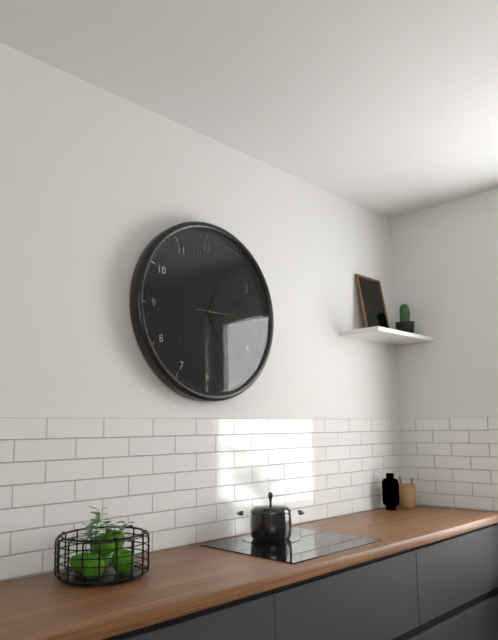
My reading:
{"hour": 5, "minute": 4, "second": 15}
